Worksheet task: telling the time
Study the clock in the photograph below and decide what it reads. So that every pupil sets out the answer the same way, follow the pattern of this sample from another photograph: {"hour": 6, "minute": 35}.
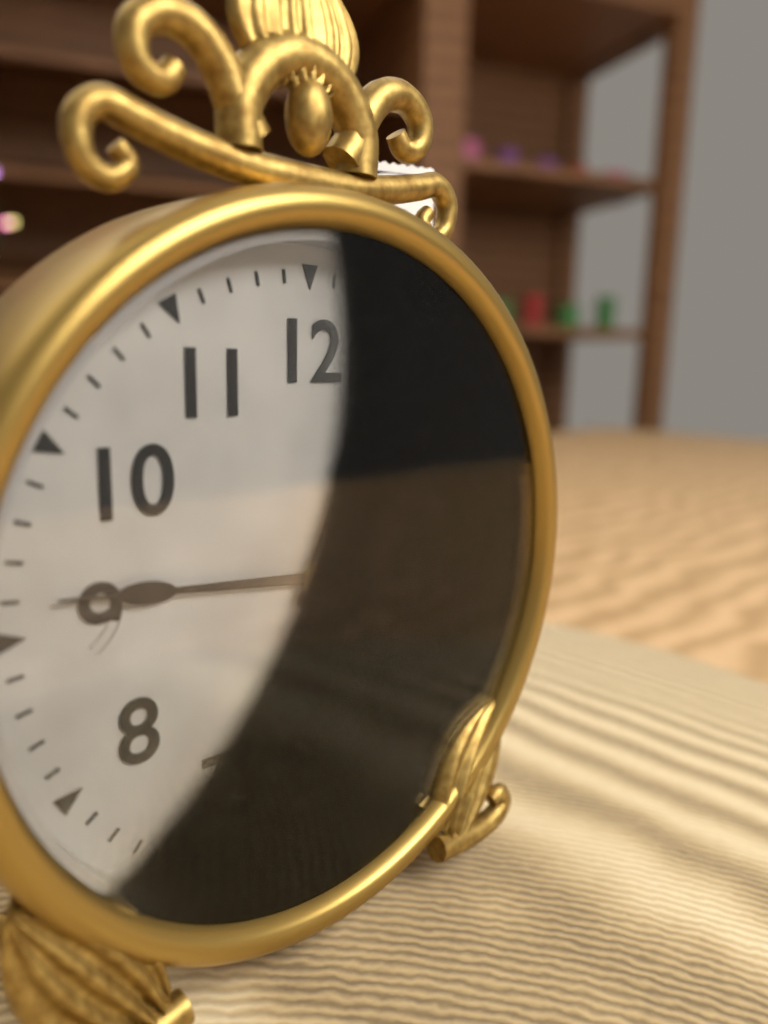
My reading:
{"hour": 12, "minute": 46}
